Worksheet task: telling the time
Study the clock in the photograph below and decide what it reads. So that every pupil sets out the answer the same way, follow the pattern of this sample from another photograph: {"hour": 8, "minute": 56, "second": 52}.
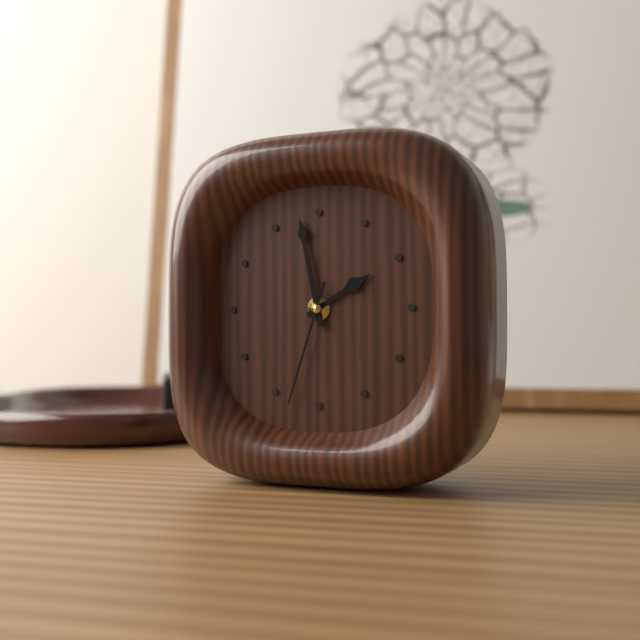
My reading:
{"hour": 1, "minute": 58, "second": 33}
